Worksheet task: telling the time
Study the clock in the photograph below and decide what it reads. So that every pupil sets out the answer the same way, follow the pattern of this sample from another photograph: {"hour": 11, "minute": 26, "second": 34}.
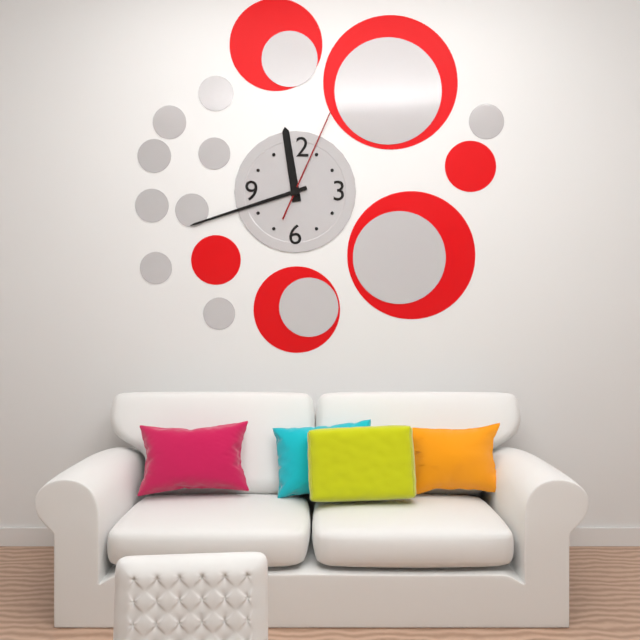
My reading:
{"hour": 11, "minute": 42, "second": 4}
